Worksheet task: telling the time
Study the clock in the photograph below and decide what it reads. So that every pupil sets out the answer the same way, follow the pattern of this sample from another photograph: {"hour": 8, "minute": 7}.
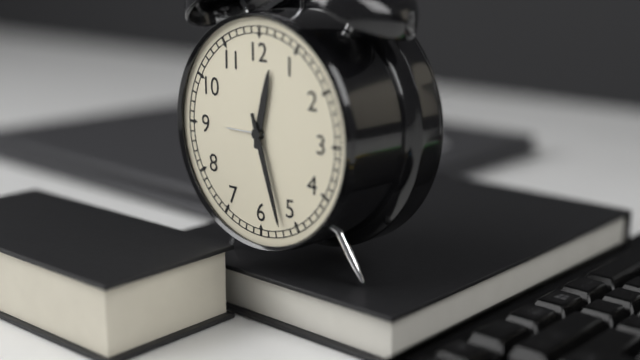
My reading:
{"hour": 12, "minute": 27}
